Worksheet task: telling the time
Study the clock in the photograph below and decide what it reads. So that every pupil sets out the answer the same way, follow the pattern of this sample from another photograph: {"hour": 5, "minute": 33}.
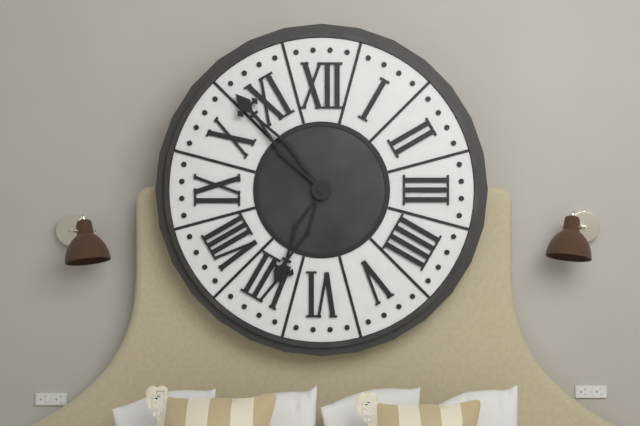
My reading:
{"hour": 6, "minute": 53}
